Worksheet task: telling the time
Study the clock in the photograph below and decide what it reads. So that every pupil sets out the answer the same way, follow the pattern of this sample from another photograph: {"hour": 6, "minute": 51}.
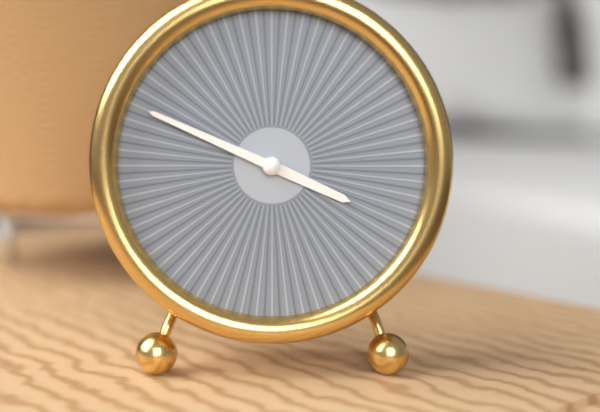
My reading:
{"hour": 3, "minute": 49}
